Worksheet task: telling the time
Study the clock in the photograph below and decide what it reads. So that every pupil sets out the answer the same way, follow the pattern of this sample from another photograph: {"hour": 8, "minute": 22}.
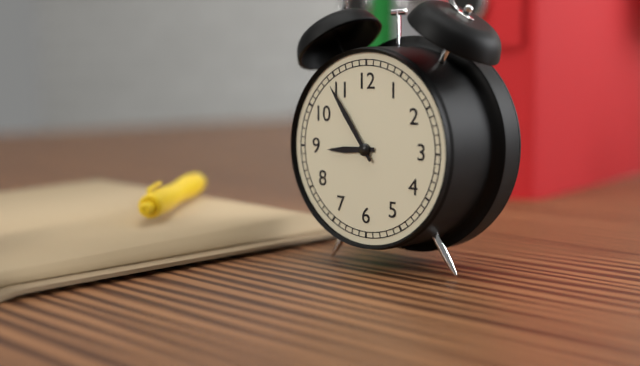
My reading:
{"hour": 8, "minute": 54}
